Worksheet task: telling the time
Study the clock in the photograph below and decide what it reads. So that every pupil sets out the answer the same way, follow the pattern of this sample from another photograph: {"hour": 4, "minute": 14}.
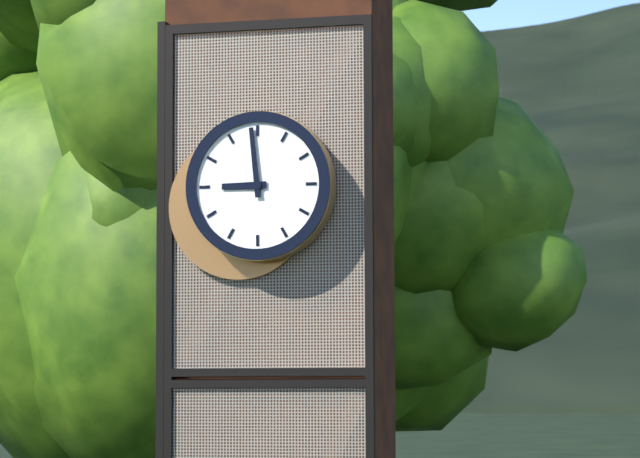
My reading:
{"hour": 8, "minute": 59}
